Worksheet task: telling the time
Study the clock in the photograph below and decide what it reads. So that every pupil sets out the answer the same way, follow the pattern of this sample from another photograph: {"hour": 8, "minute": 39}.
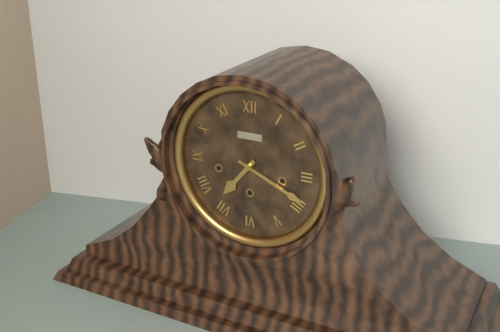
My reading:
{"hour": 7, "minute": 19}
